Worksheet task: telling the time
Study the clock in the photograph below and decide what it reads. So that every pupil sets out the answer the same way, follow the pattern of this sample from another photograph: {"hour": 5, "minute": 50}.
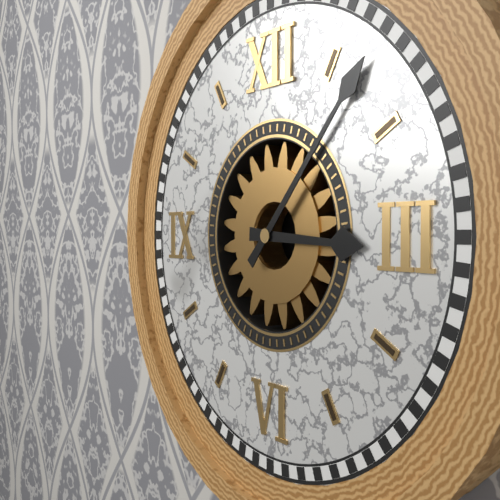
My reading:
{"hour": 3, "minute": 7}
